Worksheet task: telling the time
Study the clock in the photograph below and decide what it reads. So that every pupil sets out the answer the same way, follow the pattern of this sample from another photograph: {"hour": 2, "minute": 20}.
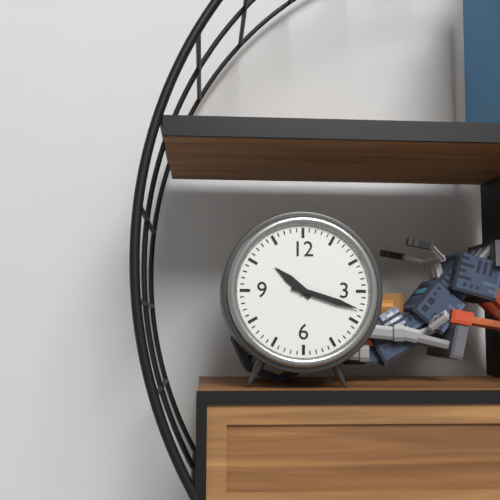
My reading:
{"hour": 10, "minute": 18}
